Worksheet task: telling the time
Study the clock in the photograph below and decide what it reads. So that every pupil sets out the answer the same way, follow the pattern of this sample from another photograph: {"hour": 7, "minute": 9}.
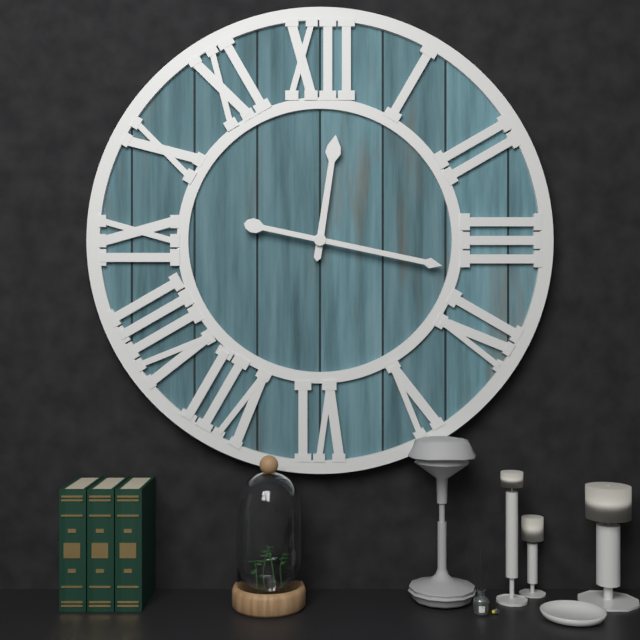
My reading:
{"hour": 12, "minute": 17}
